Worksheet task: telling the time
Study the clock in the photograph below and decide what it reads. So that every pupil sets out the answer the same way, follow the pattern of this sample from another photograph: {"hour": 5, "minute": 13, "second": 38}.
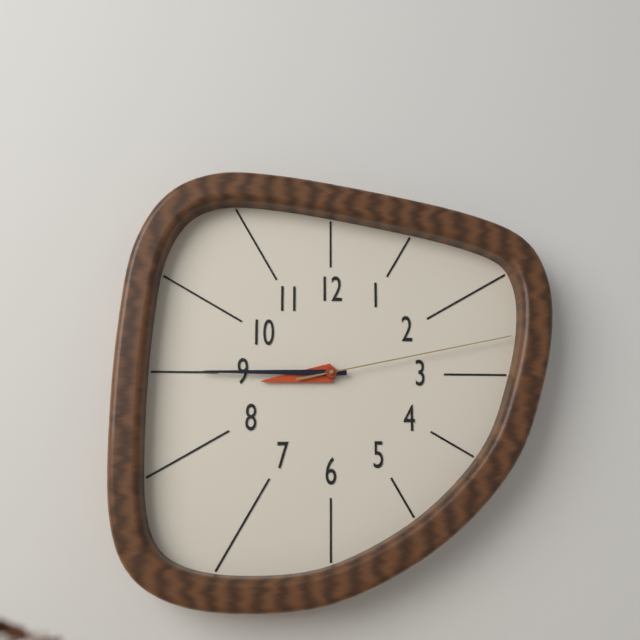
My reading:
{"hour": 8, "minute": 45, "second": 13}
